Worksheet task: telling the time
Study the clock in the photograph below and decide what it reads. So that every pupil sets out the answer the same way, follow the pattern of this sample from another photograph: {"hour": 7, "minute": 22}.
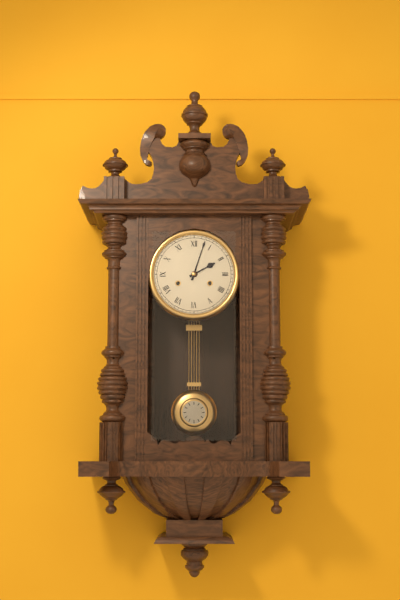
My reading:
{"hour": 2, "minute": 3}
